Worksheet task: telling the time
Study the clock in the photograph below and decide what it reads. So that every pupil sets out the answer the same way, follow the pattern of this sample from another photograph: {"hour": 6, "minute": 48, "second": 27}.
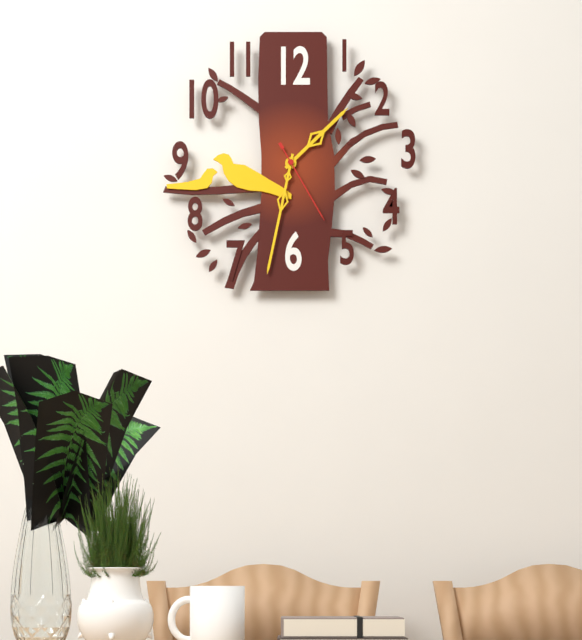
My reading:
{"hour": 1, "minute": 32, "second": 25}
